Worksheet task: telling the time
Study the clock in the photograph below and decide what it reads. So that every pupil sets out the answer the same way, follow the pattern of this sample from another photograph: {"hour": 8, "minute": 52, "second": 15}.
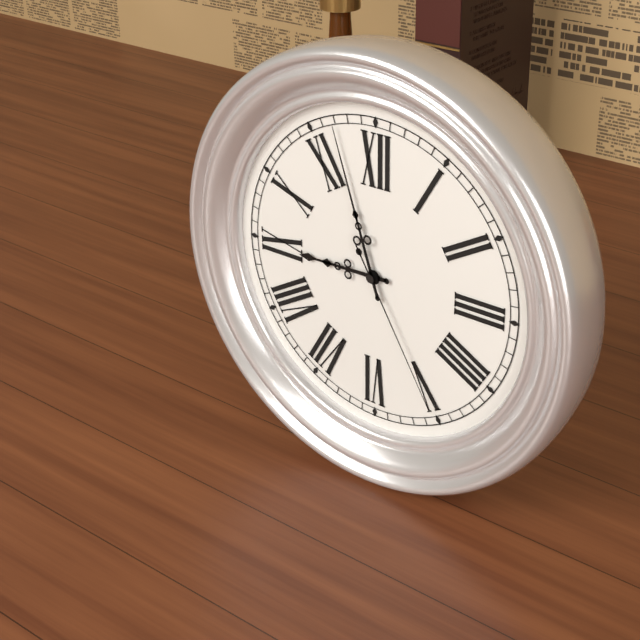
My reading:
{"hour": 8, "minute": 57, "second": 25}
